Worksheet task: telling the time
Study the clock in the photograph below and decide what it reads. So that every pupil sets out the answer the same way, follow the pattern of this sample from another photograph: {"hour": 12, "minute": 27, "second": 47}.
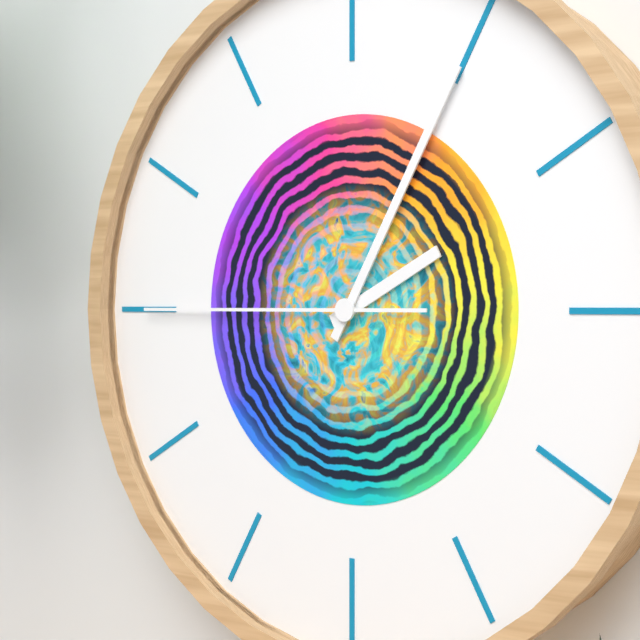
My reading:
{"hour": 2, "minute": 5, "second": 45}
